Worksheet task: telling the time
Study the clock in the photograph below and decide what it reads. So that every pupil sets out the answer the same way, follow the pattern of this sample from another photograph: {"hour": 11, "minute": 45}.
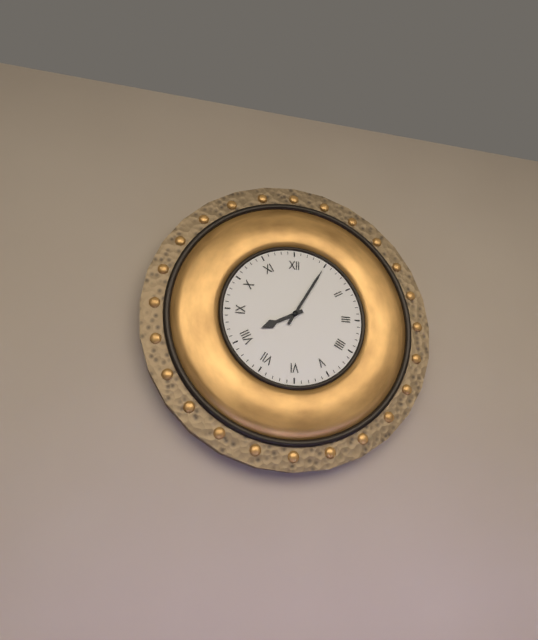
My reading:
{"hour": 8, "minute": 5}
